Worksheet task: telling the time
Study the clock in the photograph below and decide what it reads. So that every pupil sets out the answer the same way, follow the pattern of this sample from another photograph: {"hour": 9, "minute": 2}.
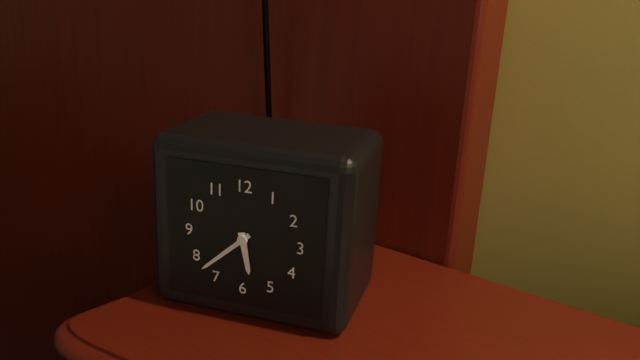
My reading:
{"hour": 5, "minute": 38}
